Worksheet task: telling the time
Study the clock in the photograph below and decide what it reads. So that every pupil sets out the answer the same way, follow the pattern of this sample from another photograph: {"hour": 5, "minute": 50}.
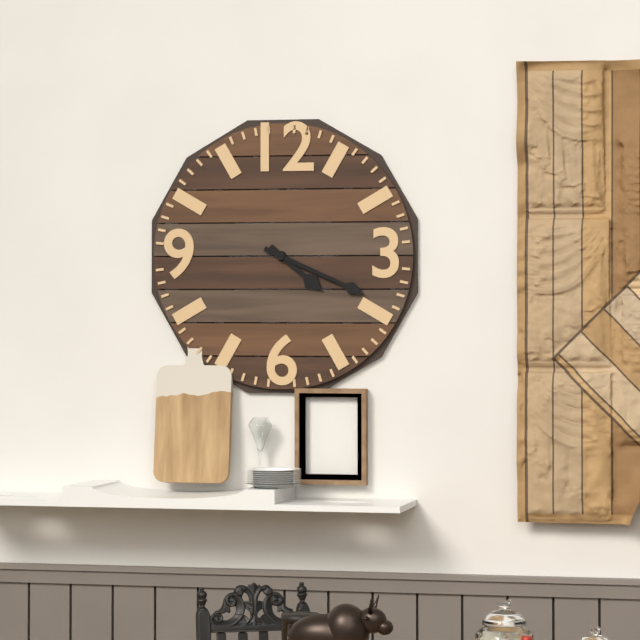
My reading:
{"hour": 4, "minute": 19}
